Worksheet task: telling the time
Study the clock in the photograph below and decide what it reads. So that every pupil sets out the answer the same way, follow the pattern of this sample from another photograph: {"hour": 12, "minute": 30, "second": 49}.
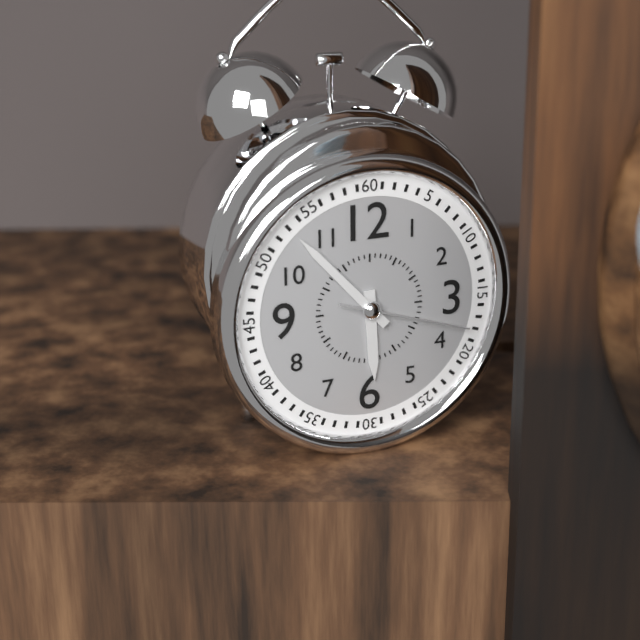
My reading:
{"hour": 5, "minute": 53, "second": 18}
